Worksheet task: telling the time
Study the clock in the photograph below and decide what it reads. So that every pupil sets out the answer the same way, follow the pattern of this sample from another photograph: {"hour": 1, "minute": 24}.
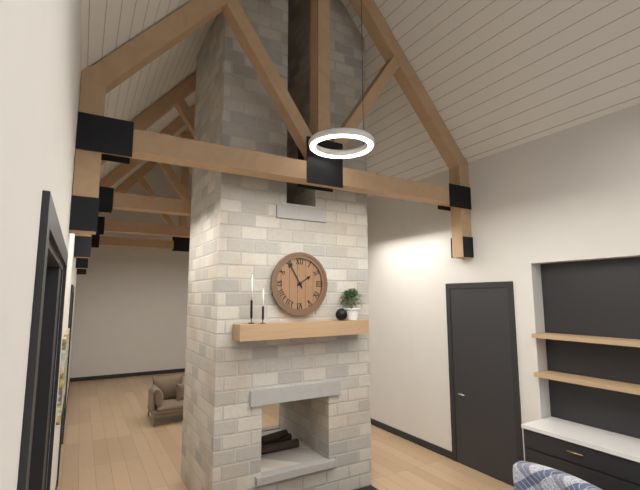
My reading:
{"hour": 1, "minute": 55}
